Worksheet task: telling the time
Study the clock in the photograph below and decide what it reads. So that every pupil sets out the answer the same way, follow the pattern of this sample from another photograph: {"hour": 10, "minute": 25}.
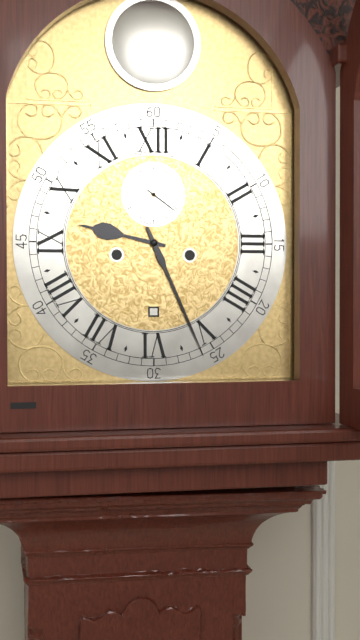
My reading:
{"hour": 9, "minute": 26}
